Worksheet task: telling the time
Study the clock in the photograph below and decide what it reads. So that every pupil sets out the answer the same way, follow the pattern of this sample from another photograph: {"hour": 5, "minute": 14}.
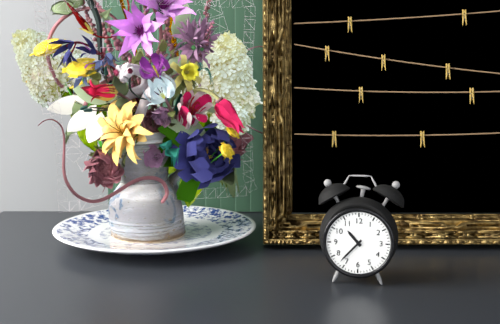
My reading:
{"hour": 10, "minute": 37}
